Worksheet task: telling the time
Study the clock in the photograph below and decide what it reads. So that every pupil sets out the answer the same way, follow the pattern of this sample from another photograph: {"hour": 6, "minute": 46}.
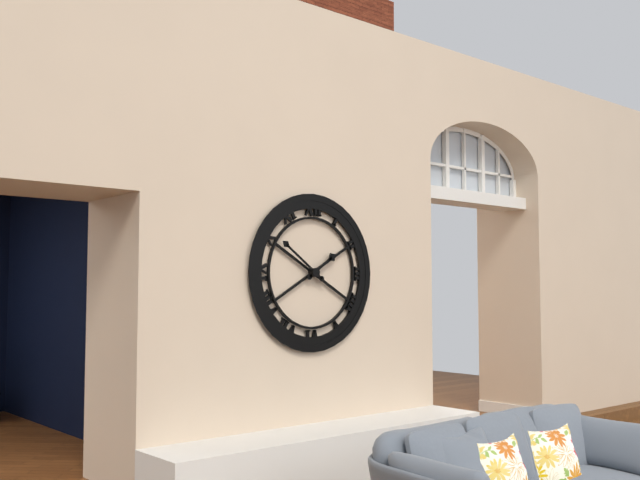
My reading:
{"hour": 1, "minute": 51}
